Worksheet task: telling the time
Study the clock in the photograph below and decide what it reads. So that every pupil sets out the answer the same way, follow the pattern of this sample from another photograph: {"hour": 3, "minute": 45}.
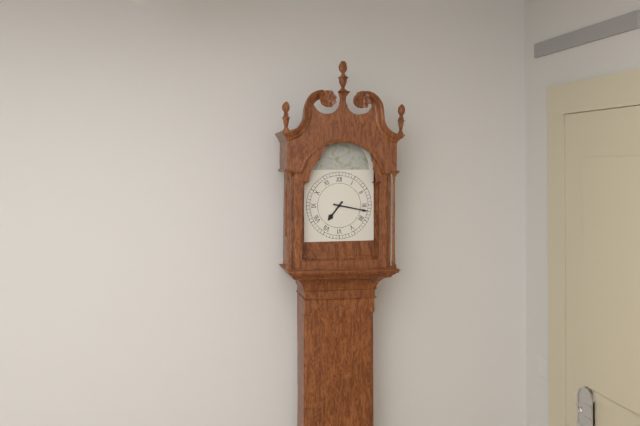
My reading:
{"hour": 7, "minute": 17}
